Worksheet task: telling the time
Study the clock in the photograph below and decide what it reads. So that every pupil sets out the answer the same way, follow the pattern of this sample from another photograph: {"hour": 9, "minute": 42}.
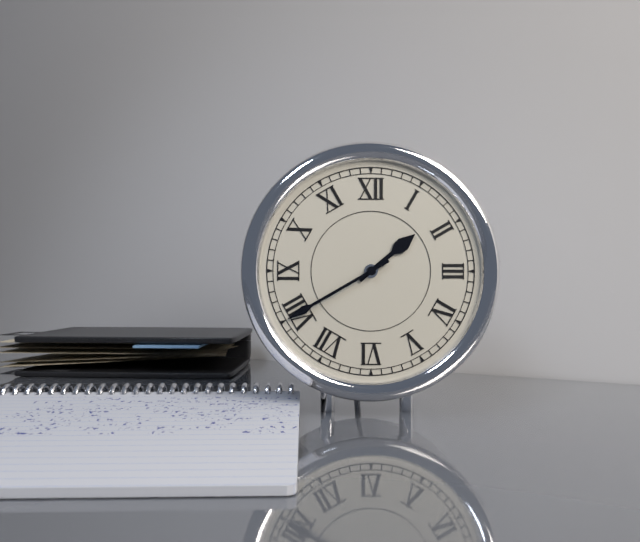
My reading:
{"hour": 1, "minute": 40}
